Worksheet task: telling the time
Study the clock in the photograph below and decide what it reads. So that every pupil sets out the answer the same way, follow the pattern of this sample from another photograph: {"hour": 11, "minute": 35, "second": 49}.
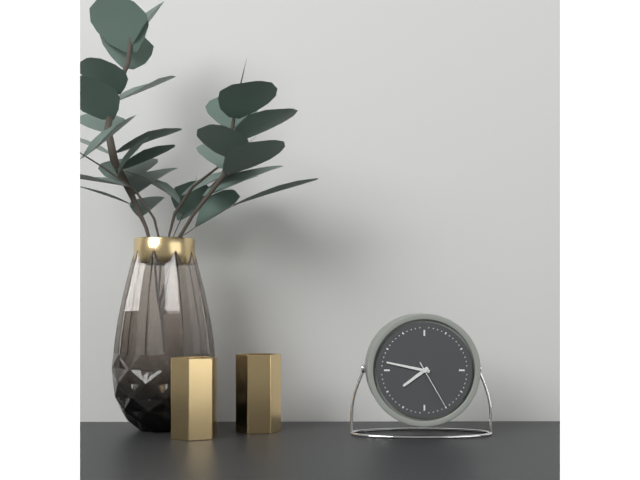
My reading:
{"hour": 7, "minute": 47, "second": 25}
